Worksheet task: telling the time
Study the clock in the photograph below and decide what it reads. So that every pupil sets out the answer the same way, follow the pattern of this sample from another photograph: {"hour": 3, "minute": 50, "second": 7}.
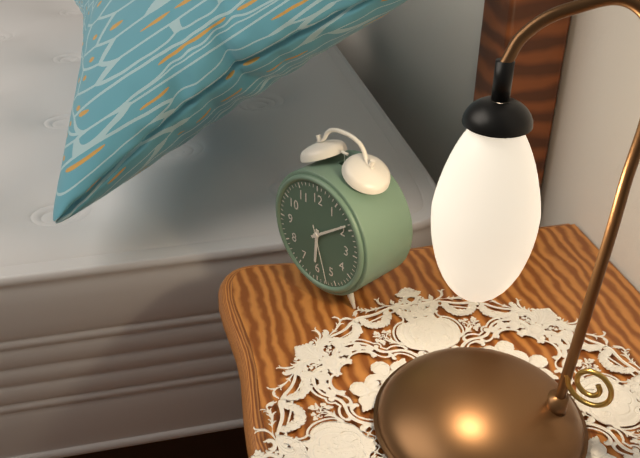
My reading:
{"hour": 6, "minute": 9, "second": 27}
